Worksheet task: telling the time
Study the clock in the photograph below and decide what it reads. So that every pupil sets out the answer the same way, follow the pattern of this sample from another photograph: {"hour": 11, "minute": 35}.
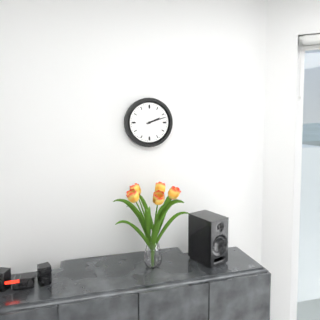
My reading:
{"hour": 2, "minute": 12}
